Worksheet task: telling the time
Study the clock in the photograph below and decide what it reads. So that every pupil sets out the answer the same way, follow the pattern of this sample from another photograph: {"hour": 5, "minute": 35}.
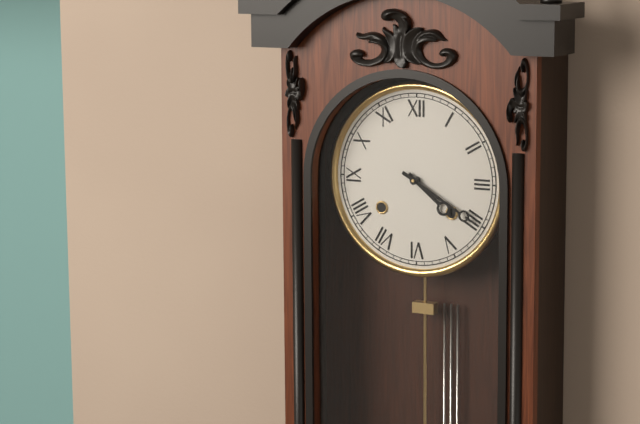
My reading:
{"hour": 4, "minute": 20}
